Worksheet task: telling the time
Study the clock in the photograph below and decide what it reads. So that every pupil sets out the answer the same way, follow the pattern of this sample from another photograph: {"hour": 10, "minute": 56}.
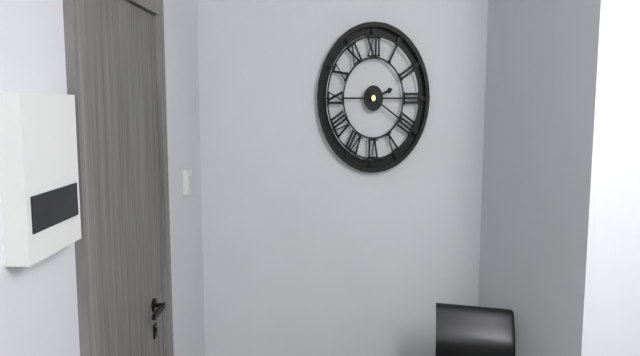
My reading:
{"hour": 2, "minute": 20}
